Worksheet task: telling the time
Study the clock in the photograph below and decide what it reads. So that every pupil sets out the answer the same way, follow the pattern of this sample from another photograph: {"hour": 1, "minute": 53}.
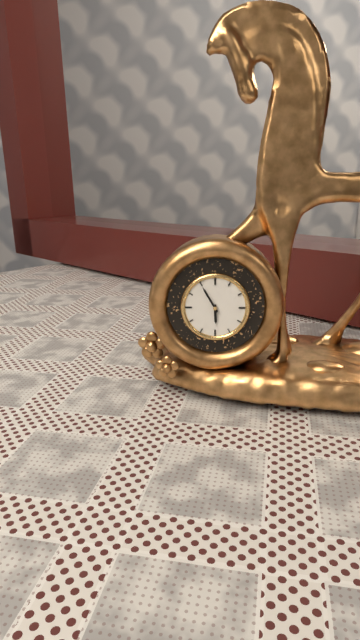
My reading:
{"hour": 5, "minute": 55}
